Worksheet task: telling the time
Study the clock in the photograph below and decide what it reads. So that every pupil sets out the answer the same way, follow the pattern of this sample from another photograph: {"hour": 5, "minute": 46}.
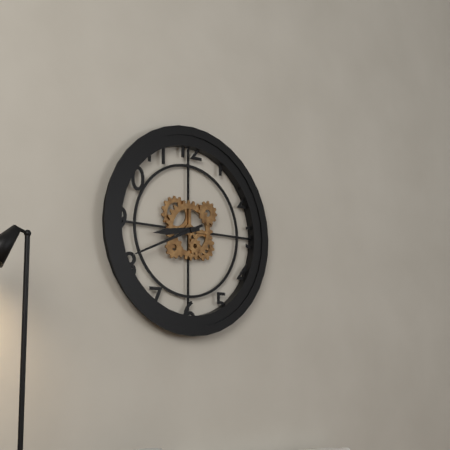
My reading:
{"hour": 8, "minute": 41}
